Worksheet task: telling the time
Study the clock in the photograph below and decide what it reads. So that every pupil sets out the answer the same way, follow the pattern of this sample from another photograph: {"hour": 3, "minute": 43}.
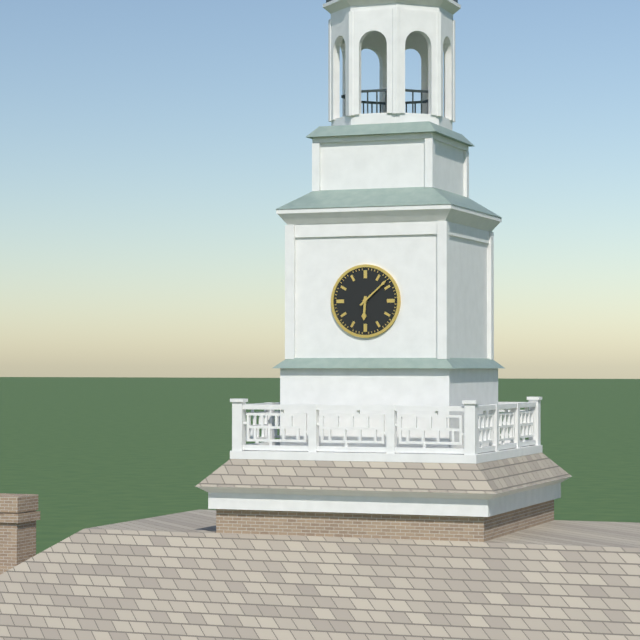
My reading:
{"hour": 6, "minute": 8}
